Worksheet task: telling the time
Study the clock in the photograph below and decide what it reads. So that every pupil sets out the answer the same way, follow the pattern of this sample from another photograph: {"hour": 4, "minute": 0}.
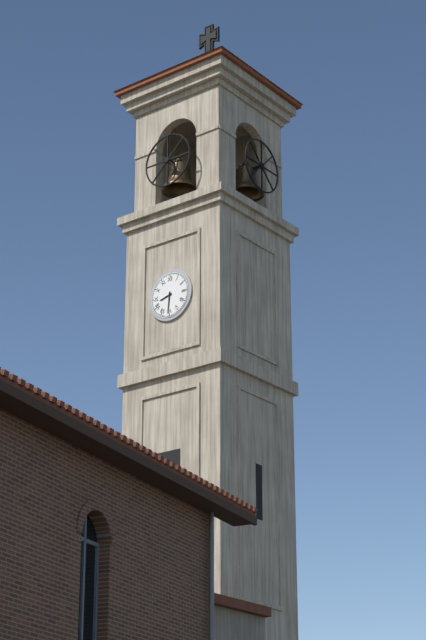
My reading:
{"hour": 8, "minute": 31}
